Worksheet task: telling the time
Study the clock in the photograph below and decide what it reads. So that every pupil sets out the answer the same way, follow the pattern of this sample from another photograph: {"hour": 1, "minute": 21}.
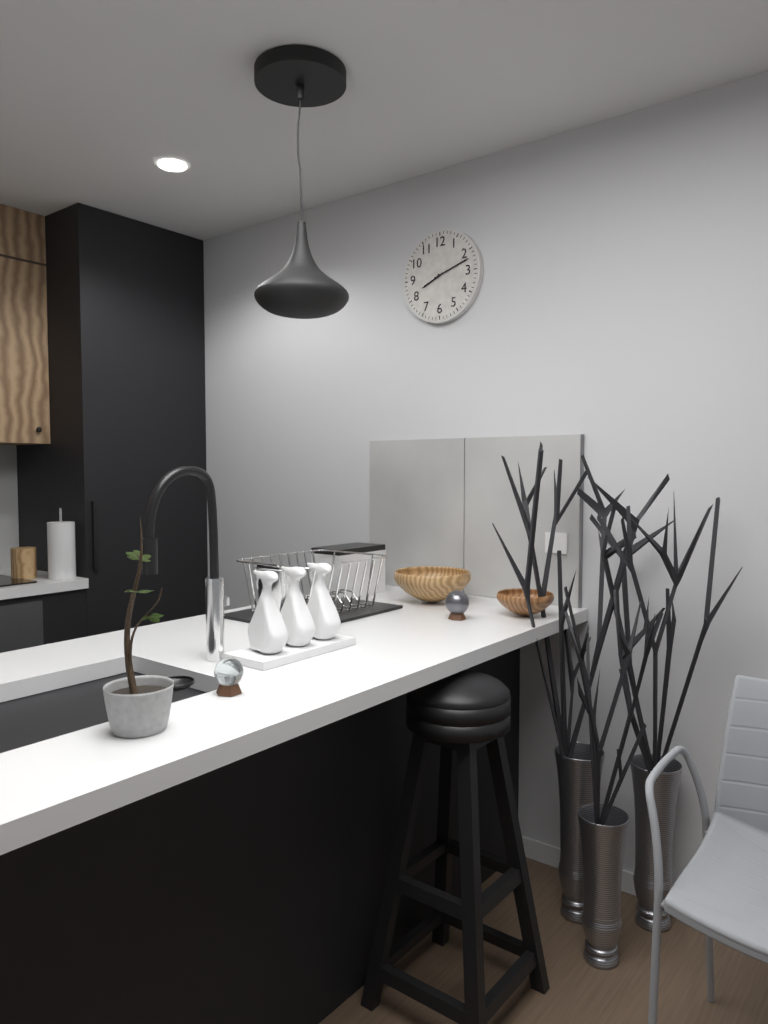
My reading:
{"hour": 8, "minute": 12}
